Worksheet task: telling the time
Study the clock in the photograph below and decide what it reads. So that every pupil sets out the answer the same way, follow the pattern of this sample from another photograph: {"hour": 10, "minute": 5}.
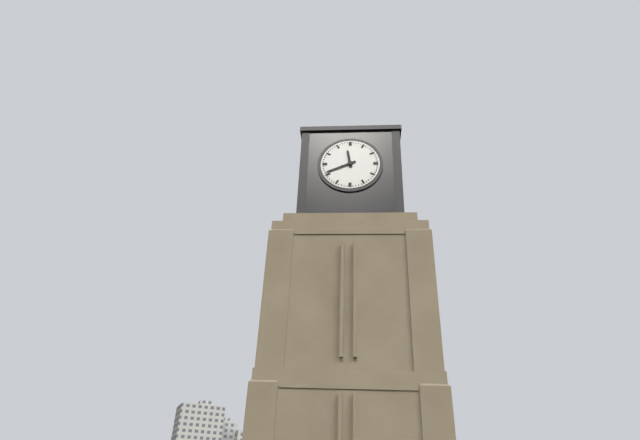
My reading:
{"hour": 11, "minute": 41}
